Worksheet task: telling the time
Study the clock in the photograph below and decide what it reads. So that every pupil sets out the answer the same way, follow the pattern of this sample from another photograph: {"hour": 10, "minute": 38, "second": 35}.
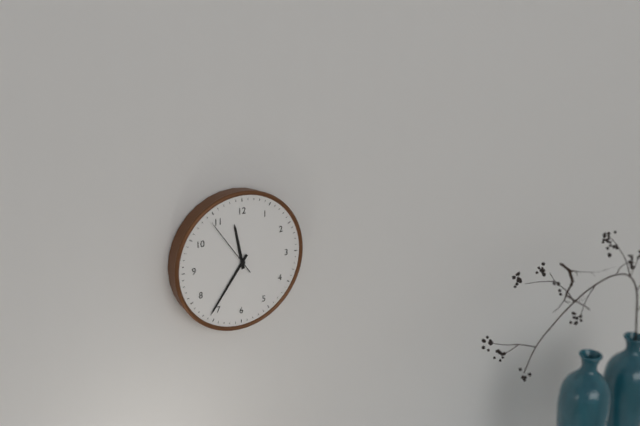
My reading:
{"hour": 11, "minute": 36, "second": 54}
